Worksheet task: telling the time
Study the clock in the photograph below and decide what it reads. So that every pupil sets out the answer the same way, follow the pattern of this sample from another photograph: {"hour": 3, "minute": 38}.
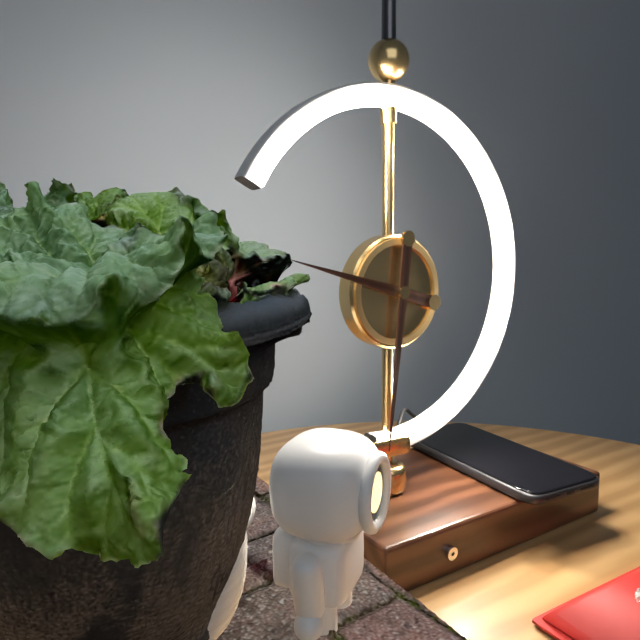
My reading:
{"hour": 9, "minute": 31}
